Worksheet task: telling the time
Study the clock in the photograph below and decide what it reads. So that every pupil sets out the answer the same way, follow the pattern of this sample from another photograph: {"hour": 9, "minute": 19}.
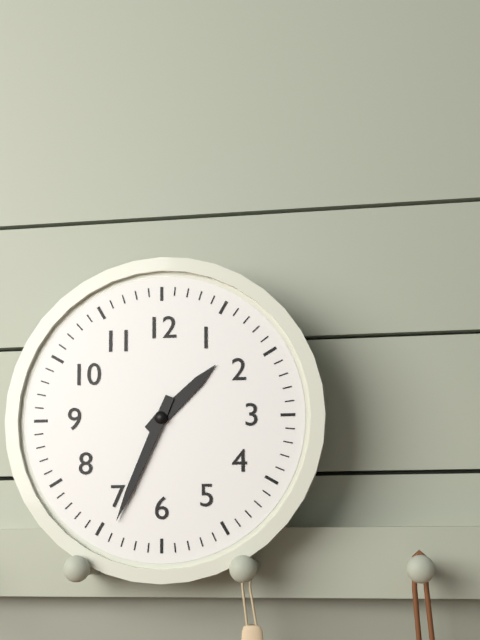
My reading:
{"hour": 1, "minute": 34}
